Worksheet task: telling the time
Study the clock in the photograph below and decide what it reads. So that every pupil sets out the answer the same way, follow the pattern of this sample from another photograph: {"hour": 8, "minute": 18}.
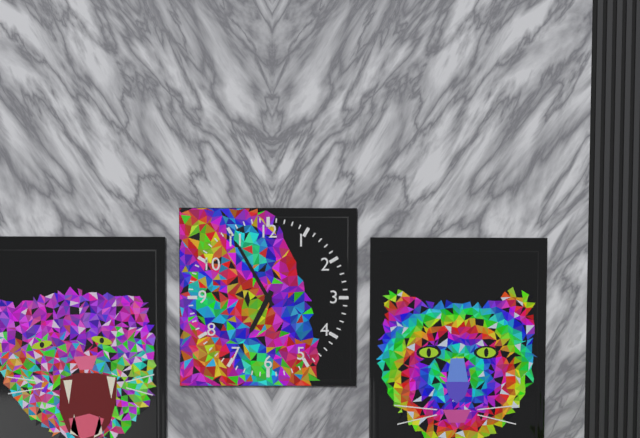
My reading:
{"hour": 6, "minute": 55}
